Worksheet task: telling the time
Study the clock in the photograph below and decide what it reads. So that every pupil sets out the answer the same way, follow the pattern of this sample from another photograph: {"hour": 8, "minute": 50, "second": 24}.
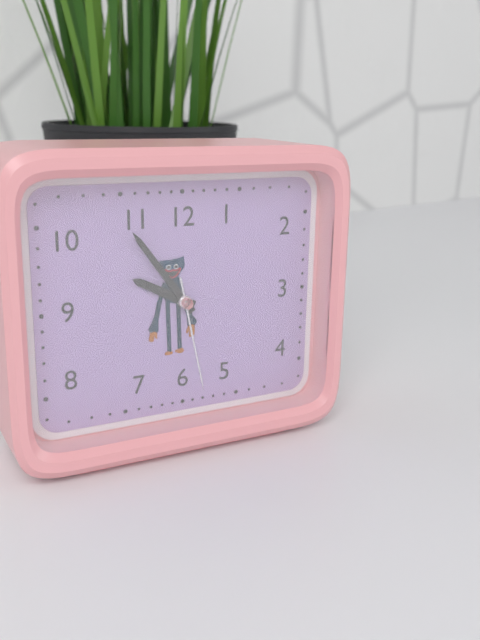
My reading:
{"hour": 9, "minute": 54, "second": 28}
